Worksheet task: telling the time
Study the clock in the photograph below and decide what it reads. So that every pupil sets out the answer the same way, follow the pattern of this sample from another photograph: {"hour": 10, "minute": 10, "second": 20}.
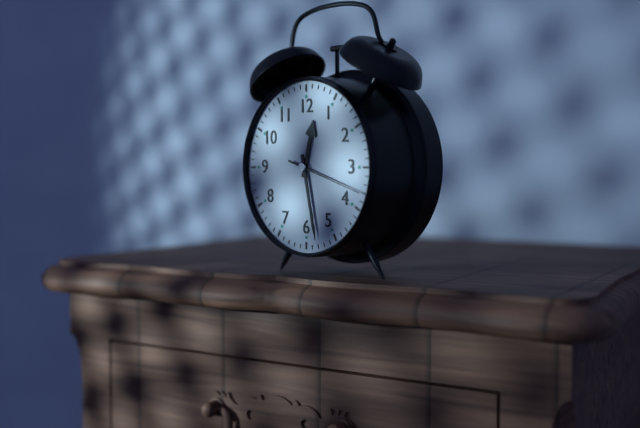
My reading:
{"hour": 12, "minute": 28, "second": 18}
